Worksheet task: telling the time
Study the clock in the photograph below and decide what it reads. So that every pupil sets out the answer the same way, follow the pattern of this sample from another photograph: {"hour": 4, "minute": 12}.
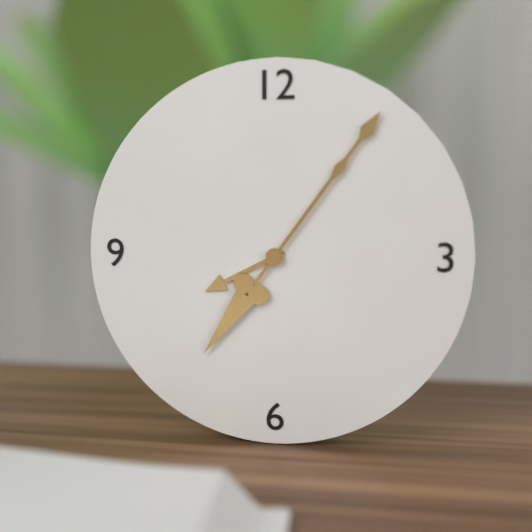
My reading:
{"hour": 8, "minute": 6}
